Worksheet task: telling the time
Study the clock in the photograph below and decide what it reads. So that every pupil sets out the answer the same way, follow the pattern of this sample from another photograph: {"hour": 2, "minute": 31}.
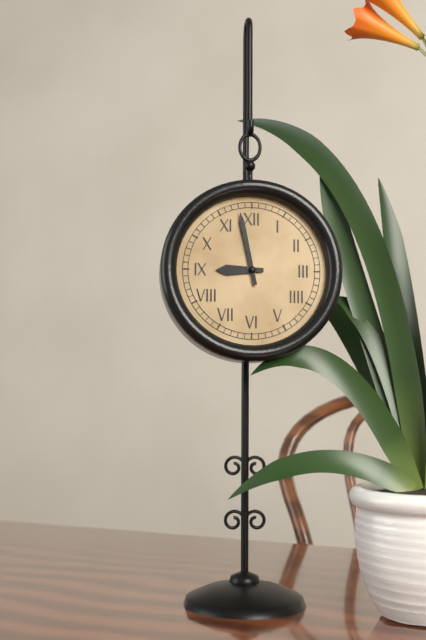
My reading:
{"hour": 8, "minute": 58}
